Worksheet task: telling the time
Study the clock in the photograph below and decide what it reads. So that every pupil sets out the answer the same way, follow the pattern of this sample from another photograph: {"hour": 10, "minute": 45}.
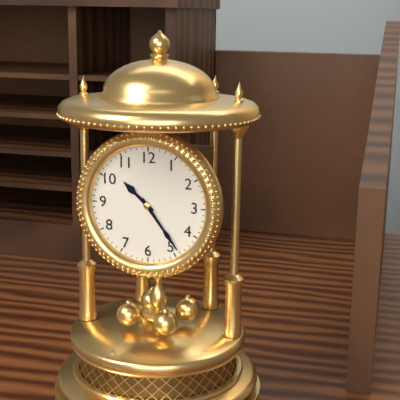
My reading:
{"hour": 10, "minute": 24}
